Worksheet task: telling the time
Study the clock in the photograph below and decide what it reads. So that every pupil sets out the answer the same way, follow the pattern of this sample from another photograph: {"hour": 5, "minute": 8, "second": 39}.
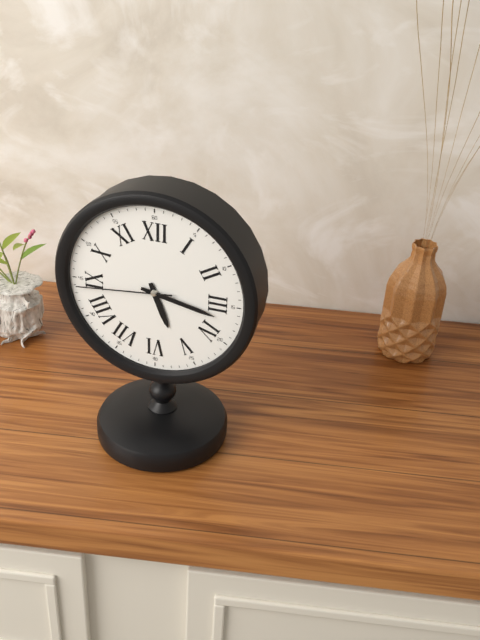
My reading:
{"hour": 5, "minute": 17, "second": 44}
